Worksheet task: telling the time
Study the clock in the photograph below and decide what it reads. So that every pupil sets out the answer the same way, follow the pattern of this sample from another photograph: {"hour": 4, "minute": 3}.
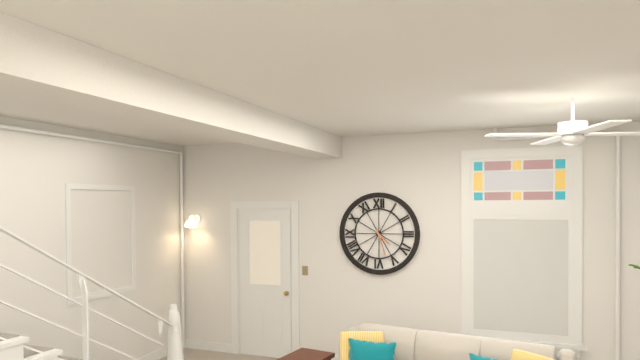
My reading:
{"hour": 4, "minute": 27}
